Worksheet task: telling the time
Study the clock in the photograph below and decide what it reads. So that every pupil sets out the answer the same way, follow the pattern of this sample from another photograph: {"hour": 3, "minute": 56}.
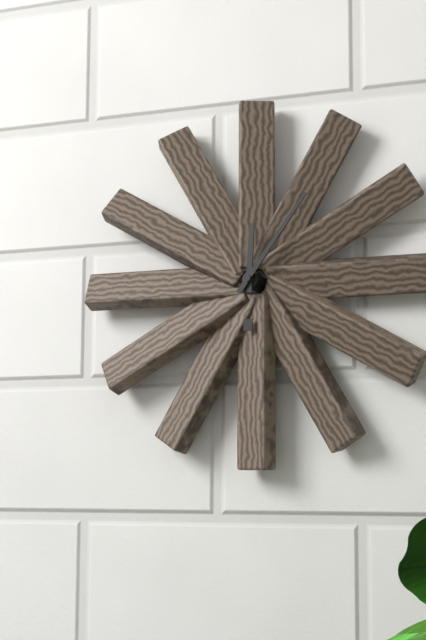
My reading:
{"hour": 12, "minute": 6}
